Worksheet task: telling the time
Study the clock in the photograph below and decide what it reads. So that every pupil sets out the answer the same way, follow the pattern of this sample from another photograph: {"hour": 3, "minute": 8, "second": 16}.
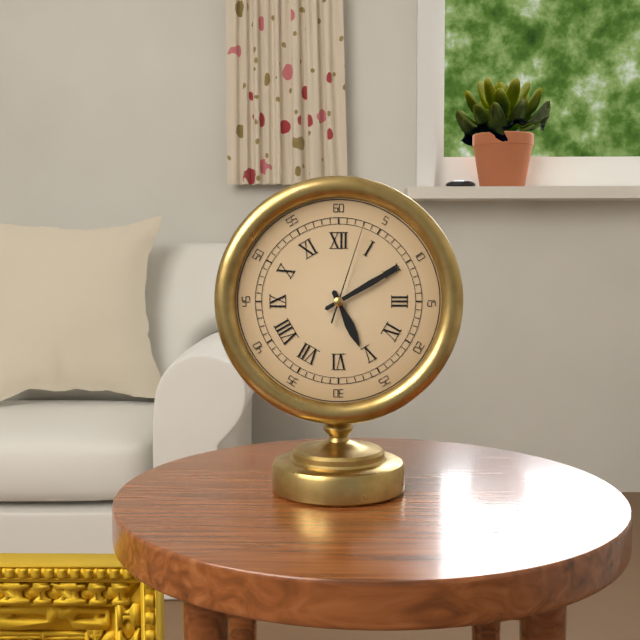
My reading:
{"hour": 5, "minute": 10, "second": 3}
